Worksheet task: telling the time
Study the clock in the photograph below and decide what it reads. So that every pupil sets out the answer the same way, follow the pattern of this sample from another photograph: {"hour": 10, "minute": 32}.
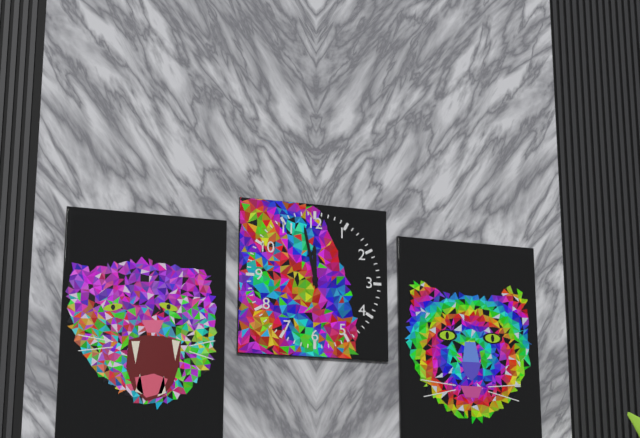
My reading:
{"hour": 11, "minute": 58}
